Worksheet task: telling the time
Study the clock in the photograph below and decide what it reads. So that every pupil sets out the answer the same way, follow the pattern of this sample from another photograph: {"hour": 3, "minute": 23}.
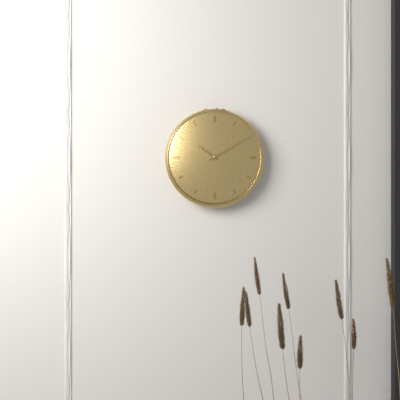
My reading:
{"hour": 10, "minute": 10}
